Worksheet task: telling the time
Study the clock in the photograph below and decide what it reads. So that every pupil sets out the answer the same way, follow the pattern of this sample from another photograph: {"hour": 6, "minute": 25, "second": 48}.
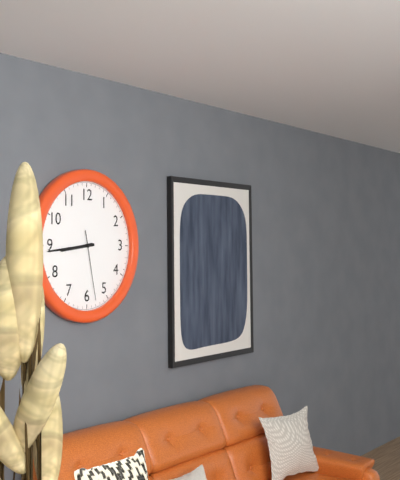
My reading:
{"hour": 8, "minute": 44, "second": 28}
